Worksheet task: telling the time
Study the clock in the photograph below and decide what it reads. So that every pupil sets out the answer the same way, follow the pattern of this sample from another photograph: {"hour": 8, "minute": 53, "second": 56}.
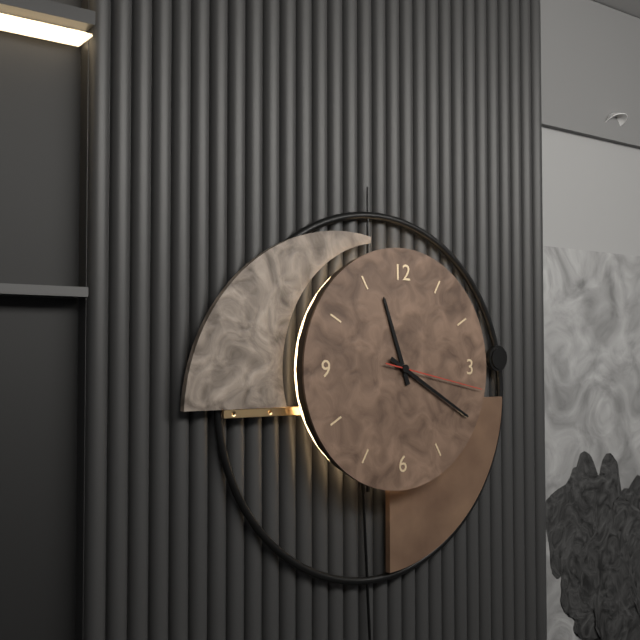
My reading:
{"hour": 11, "minute": 20, "second": 17}
